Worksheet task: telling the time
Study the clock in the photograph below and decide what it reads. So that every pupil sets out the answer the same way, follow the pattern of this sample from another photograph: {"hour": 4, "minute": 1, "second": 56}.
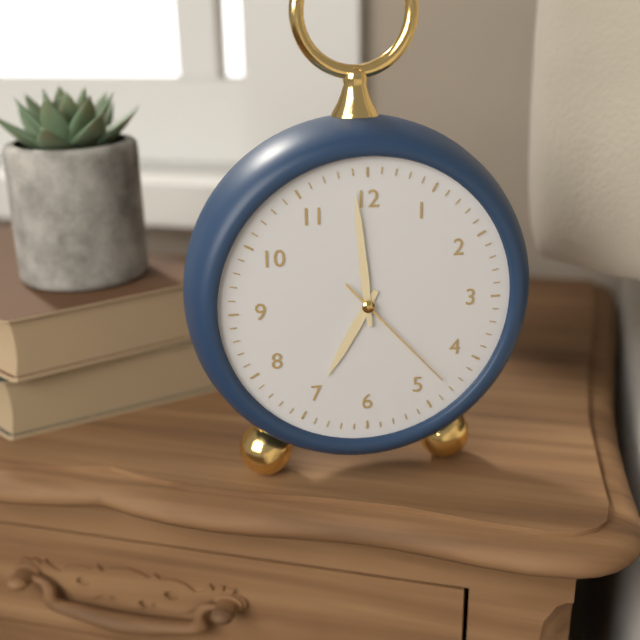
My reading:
{"hour": 6, "minute": 59, "second": 23}
